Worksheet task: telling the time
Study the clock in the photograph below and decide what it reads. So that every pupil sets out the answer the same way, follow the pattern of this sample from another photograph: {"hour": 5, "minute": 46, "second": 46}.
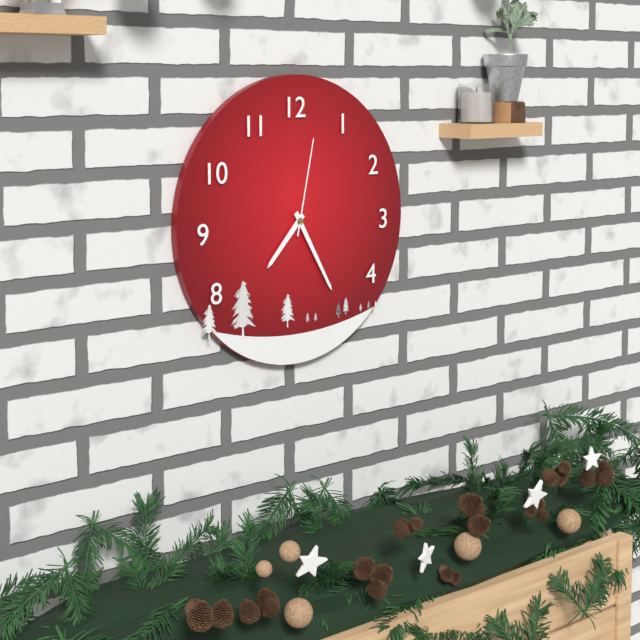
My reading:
{"hour": 7, "minute": 25, "second": 2}
